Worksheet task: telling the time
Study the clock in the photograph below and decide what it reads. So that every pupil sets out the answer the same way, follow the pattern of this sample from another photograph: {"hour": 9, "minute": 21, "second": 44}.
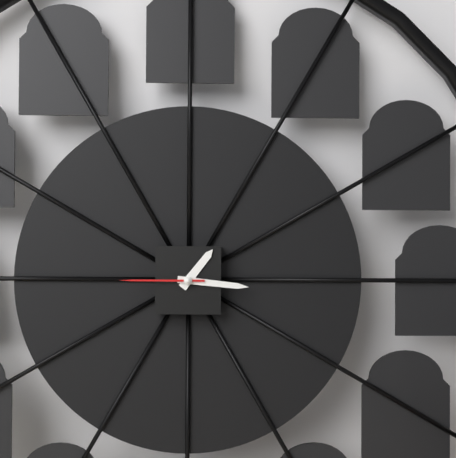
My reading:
{"hour": 1, "minute": 16, "second": 45}
